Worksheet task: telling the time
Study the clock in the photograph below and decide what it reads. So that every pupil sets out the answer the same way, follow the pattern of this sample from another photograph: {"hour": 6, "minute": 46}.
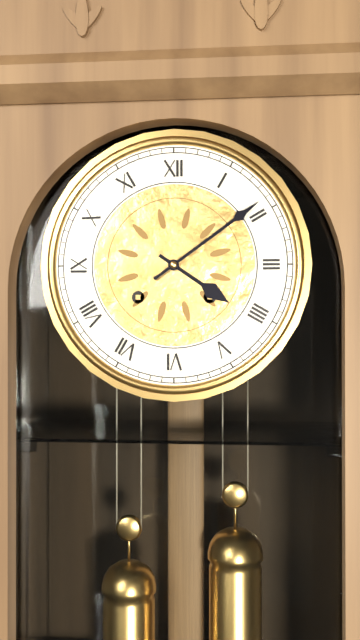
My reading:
{"hour": 4, "minute": 9}
